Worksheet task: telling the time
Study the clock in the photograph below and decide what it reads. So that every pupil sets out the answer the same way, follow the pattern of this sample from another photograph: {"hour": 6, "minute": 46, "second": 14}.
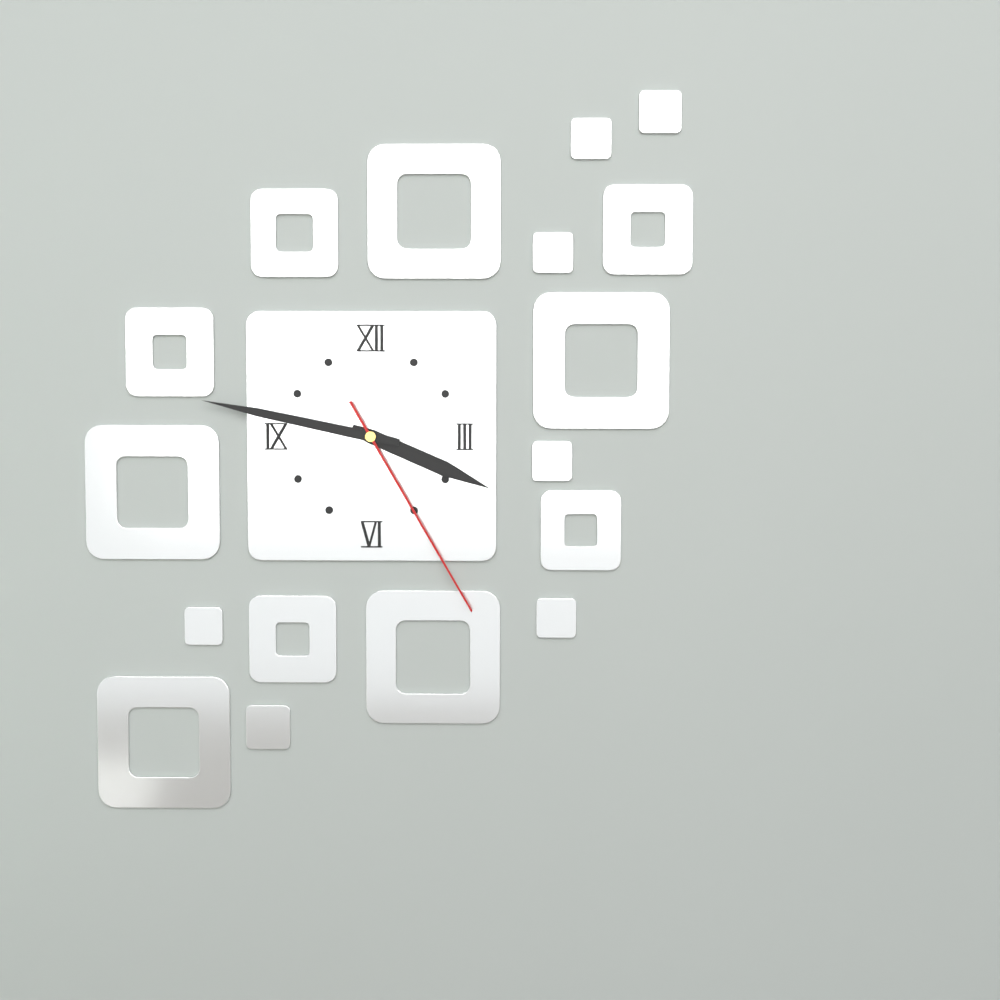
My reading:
{"hour": 3, "minute": 47, "second": 25}
